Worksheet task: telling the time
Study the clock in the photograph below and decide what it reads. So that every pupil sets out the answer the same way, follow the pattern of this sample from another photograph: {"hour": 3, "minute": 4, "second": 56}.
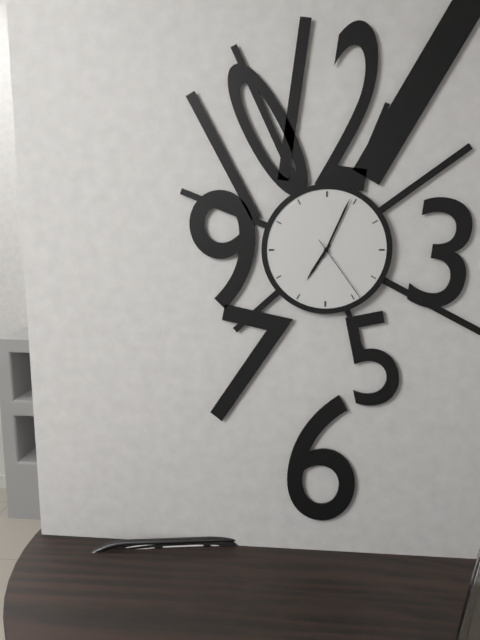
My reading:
{"hour": 7, "minute": 4, "second": 24}
